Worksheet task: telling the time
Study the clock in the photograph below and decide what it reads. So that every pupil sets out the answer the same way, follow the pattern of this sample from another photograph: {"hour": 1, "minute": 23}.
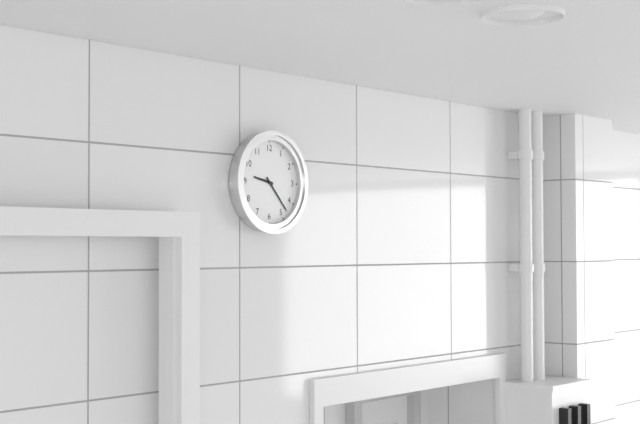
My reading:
{"hour": 9, "minute": 23}
